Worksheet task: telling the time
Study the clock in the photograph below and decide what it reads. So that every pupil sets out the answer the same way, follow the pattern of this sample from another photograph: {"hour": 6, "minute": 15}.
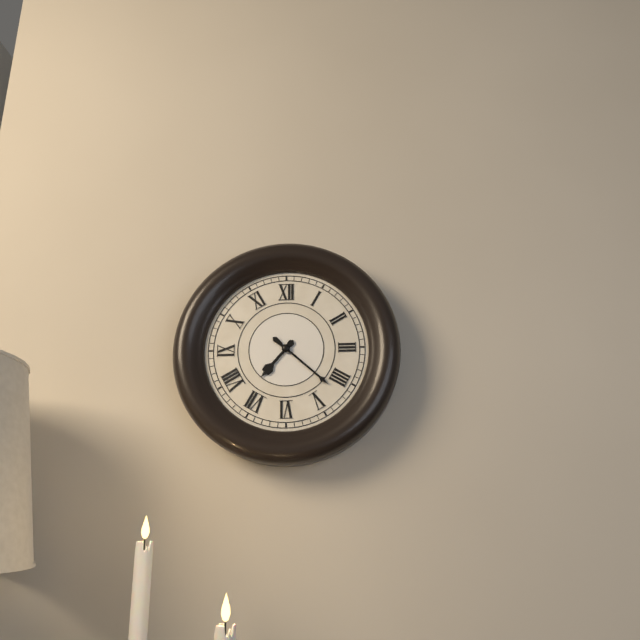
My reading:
{"hour": 7, "minute": 22}
